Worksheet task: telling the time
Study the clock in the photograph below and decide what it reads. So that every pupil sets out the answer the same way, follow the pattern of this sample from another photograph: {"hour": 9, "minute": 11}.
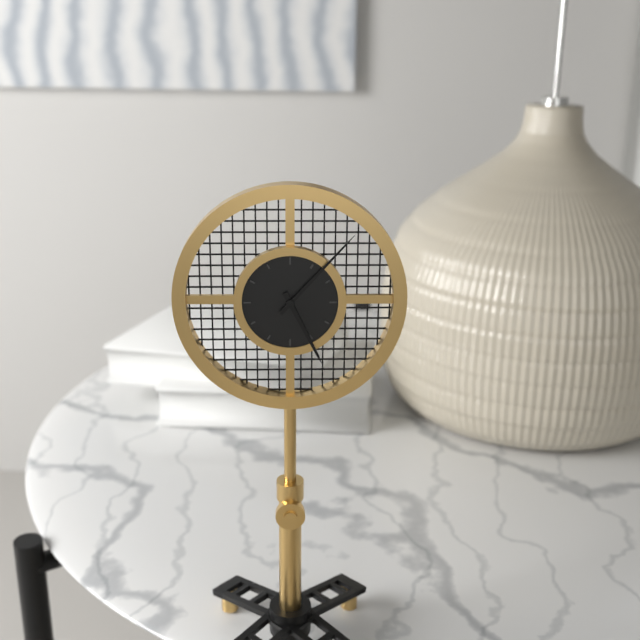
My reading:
{"hour": 5, "minute": 7}
